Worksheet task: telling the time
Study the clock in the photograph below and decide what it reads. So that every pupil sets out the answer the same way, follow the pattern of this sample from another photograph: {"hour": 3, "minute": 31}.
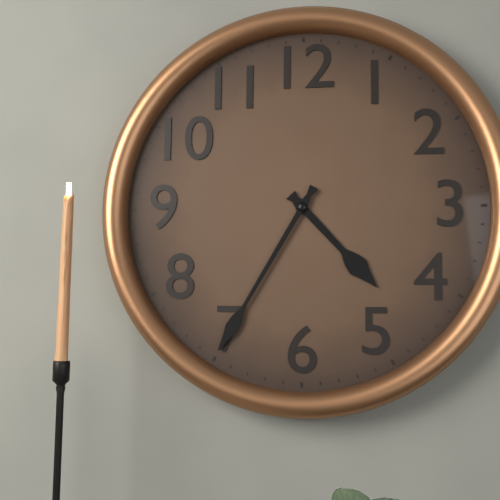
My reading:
{"hour": 4, "minute": 35}
